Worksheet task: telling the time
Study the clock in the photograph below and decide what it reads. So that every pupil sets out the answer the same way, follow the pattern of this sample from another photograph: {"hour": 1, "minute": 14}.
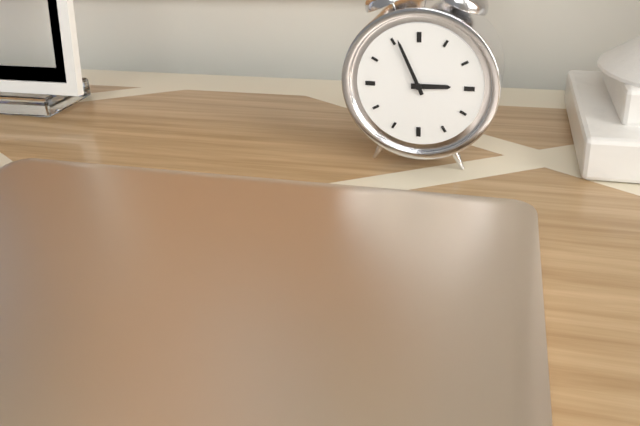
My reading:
{"hour": 2, "minute": 56}
